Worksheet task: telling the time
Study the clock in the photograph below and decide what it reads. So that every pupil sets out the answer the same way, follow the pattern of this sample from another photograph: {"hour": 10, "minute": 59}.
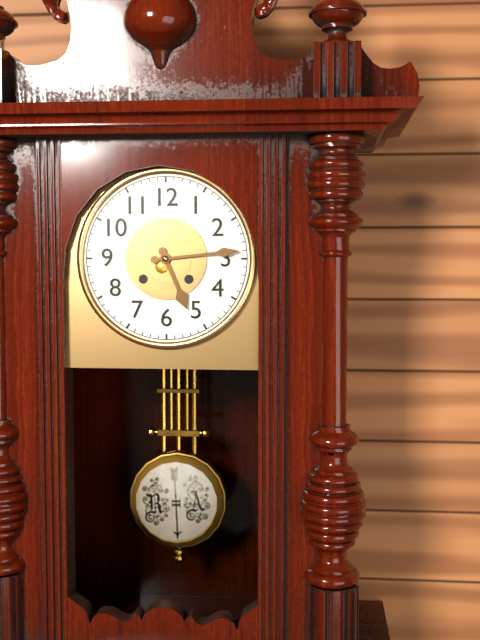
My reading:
{"hour": 5, "minute": 14}
